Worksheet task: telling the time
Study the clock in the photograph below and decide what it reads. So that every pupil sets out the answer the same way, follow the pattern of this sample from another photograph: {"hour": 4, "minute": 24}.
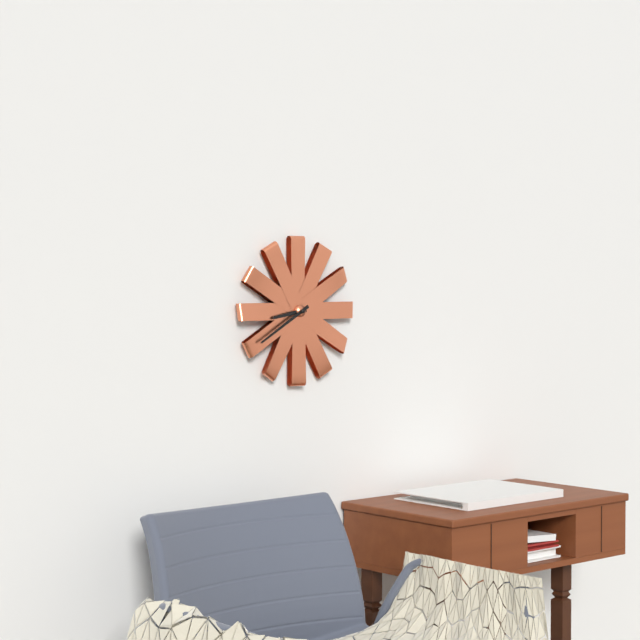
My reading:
{"hour": 8, "minute": 40}
